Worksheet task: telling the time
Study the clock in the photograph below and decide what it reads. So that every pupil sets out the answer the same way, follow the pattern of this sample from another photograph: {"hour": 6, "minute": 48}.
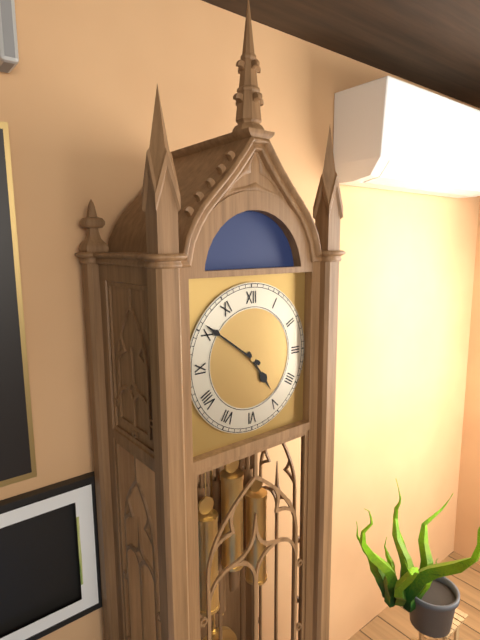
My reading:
{"hour": 4, "minute": 51}
